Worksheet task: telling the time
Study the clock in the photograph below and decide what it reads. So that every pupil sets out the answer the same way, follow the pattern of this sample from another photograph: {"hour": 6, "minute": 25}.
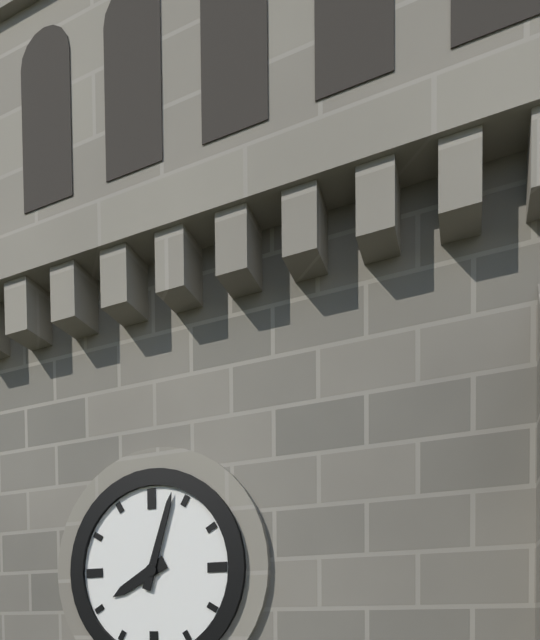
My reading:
{"hour": 8, "minute": 3}
